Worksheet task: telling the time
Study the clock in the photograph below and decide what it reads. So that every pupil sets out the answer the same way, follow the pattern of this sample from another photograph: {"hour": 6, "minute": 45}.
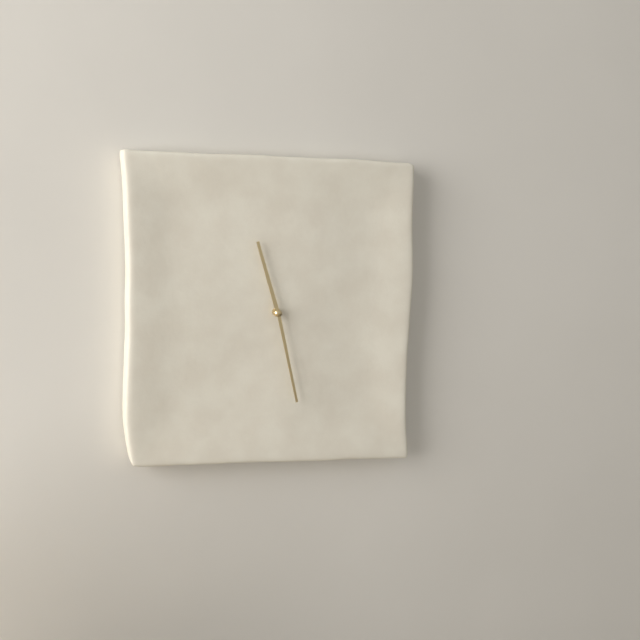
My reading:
{"hour": 11, "minute": 28}
